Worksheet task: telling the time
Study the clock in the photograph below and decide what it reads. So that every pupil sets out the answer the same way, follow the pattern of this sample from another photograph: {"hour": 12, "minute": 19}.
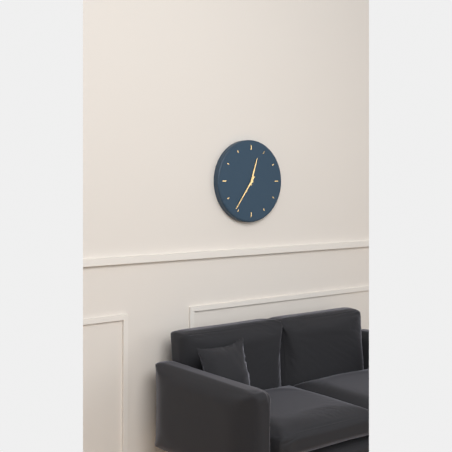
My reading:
{"hour": 12, "minute": 36}
